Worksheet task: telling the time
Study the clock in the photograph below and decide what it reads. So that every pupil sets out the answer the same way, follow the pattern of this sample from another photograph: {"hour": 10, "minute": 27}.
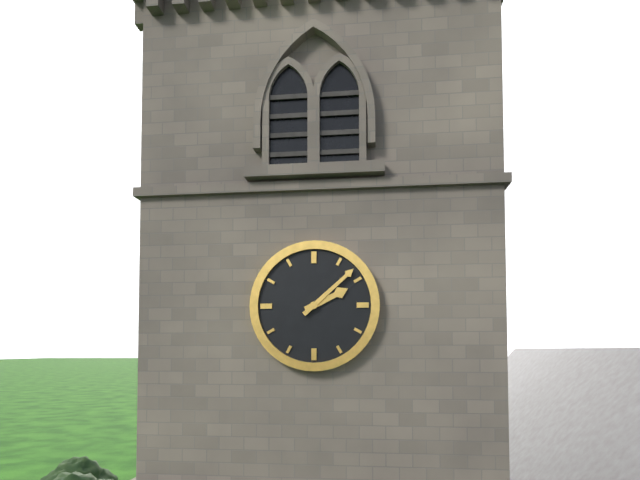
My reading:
{"hour": 2, "minute": 8}
